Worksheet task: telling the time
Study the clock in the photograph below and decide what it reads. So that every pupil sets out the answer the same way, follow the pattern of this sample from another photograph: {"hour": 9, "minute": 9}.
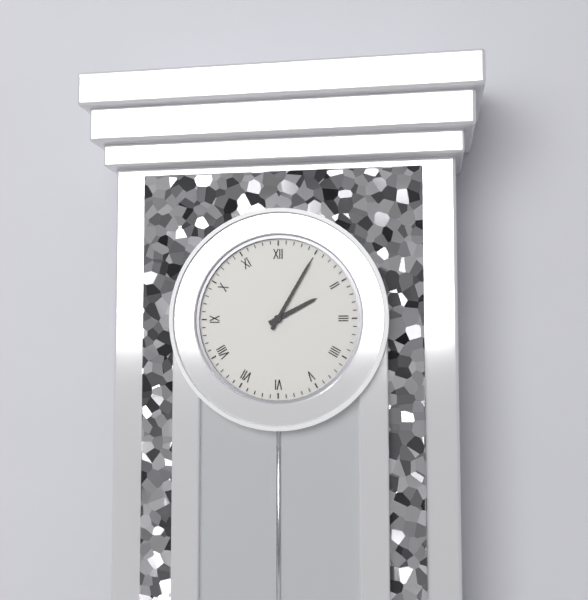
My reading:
{"hour": 2, "minute": 5}
